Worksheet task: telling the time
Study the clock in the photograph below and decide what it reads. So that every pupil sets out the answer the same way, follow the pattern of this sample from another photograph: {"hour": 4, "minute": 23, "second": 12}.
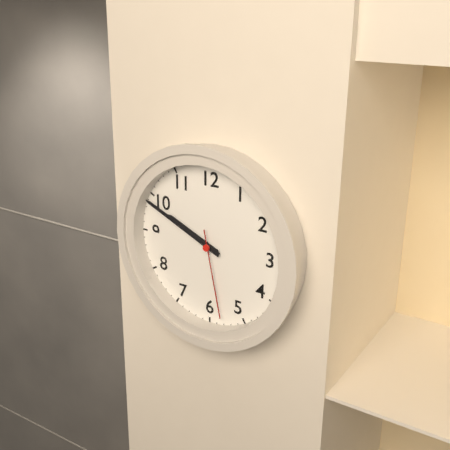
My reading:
{"hour": 9, "minute": 49, "second": 28}
